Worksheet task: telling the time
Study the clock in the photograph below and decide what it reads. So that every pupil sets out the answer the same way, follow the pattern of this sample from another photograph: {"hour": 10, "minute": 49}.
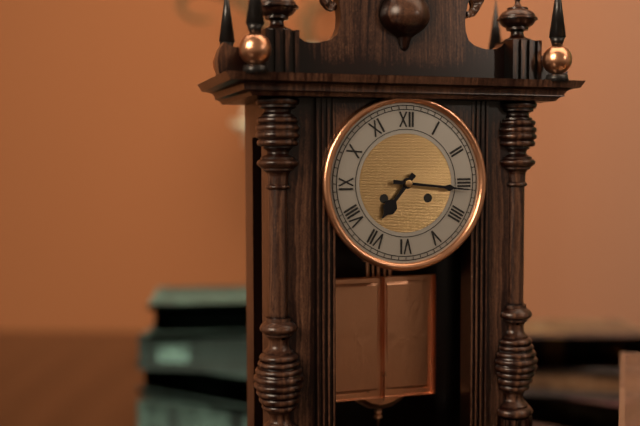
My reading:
{"hour": 7, "minute": 16}
